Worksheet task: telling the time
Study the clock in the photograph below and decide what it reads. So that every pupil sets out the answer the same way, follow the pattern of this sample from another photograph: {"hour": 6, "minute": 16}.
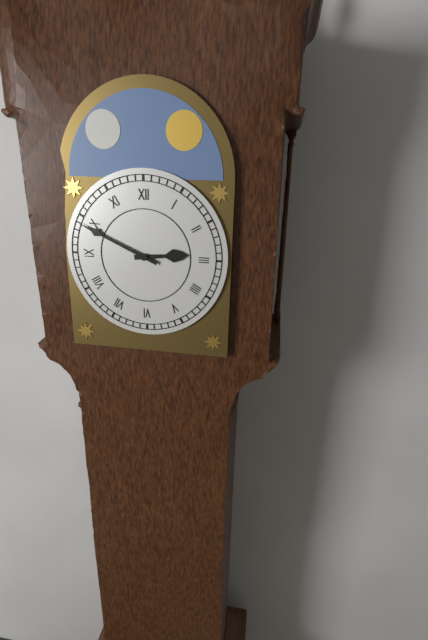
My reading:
{"hour": 2, "minute": 49}
